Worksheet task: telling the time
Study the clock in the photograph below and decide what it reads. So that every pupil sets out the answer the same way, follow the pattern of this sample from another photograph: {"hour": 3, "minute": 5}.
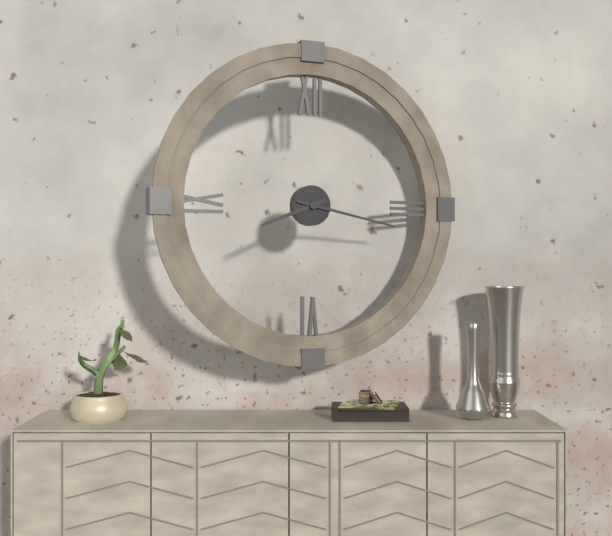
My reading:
{"hour": 8, "minute": 17}
